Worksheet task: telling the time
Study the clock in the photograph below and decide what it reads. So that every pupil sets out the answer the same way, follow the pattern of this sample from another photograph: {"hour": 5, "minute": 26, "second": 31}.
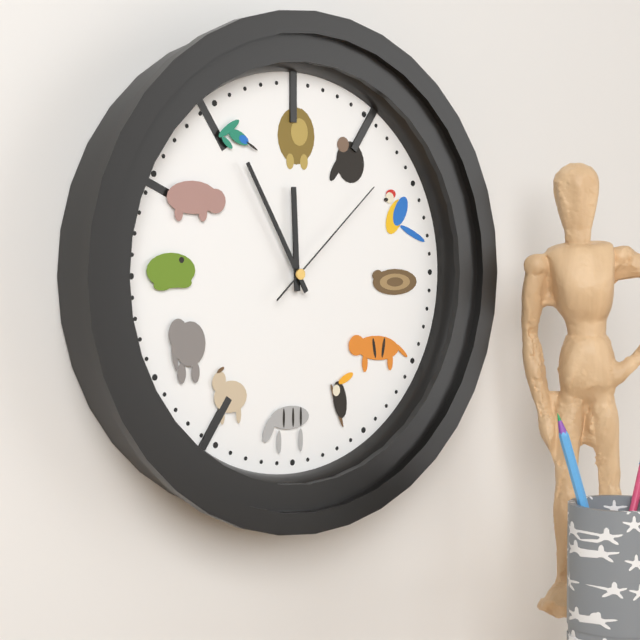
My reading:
{"hour": 11, "minute": 55, "second": 8}
